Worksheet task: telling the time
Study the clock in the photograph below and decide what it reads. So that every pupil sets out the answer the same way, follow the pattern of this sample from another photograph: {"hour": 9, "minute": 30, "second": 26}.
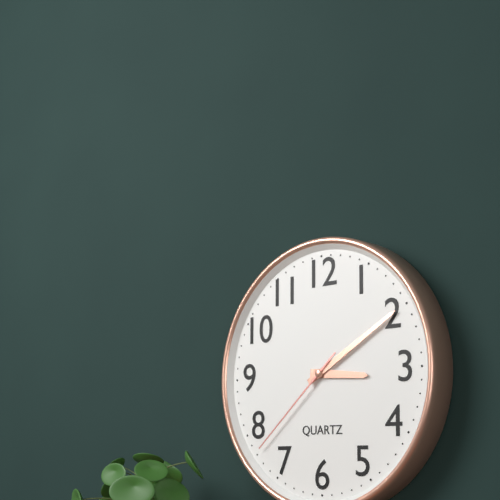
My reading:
{"hour": 3, "minute": 10, "second": 38}
